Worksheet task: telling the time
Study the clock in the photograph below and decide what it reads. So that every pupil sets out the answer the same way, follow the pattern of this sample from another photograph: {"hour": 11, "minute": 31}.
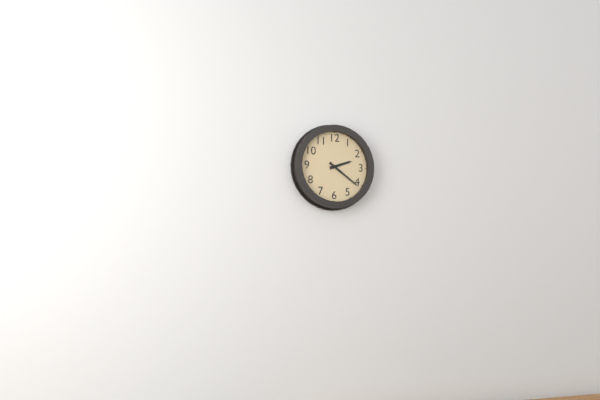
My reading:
{"hour": 2, "minute": 21}
